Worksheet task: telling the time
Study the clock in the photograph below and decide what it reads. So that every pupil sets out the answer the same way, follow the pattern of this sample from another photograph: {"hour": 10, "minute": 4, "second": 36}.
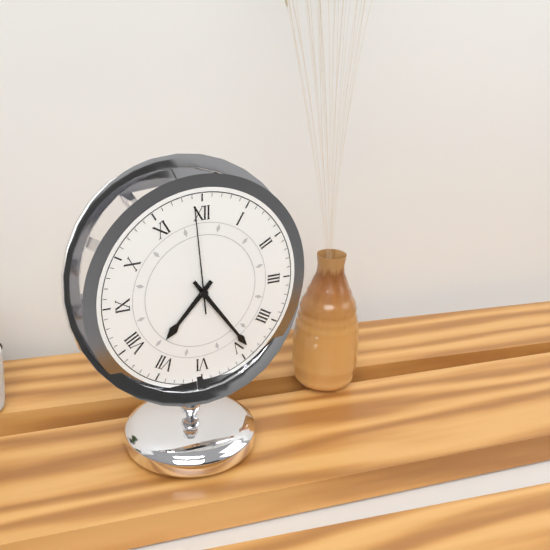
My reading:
{"hour": 7, "minute": 24, "second": 59}
